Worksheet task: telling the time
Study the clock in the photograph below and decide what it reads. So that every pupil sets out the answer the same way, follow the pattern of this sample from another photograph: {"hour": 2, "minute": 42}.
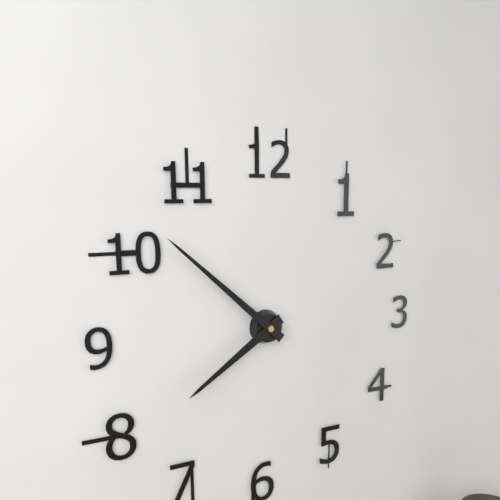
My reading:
{"hour": 7, "minute": 52}
